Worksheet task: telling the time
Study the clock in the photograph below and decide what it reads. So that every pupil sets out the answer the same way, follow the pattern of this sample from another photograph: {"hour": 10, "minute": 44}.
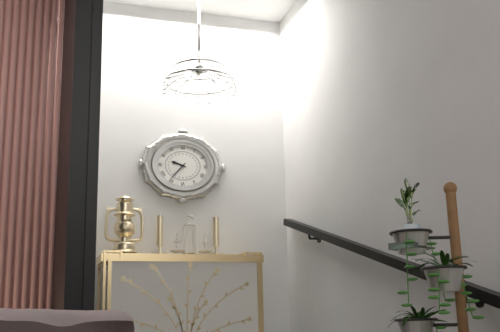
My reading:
{"hour": 9, "minute": 37}
